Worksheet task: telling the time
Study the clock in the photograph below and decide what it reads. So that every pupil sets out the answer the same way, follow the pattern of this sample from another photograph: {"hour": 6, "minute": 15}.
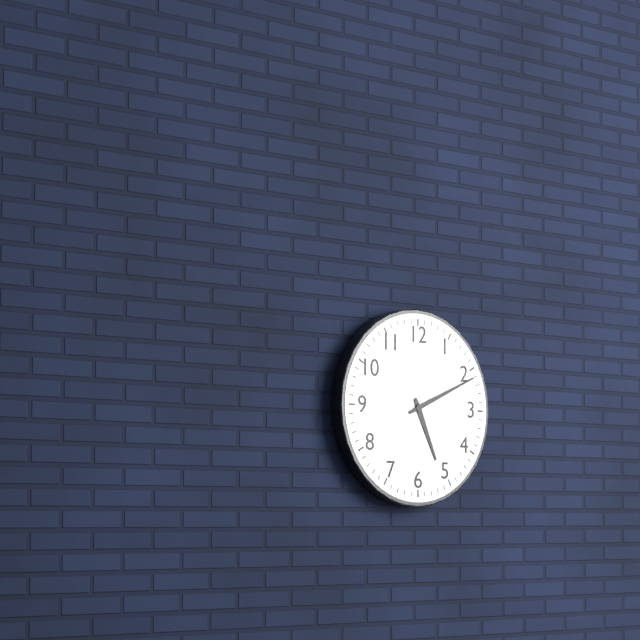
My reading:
{"hour": 5, "minute": 11}
